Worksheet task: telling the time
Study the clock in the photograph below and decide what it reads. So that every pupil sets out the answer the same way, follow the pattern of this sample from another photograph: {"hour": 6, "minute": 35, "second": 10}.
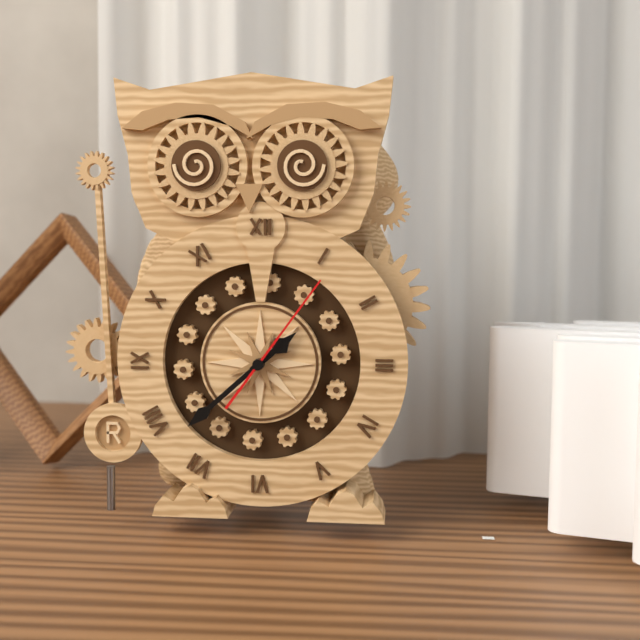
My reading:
{"hour": 1, "minute": 38, "second": 6}
